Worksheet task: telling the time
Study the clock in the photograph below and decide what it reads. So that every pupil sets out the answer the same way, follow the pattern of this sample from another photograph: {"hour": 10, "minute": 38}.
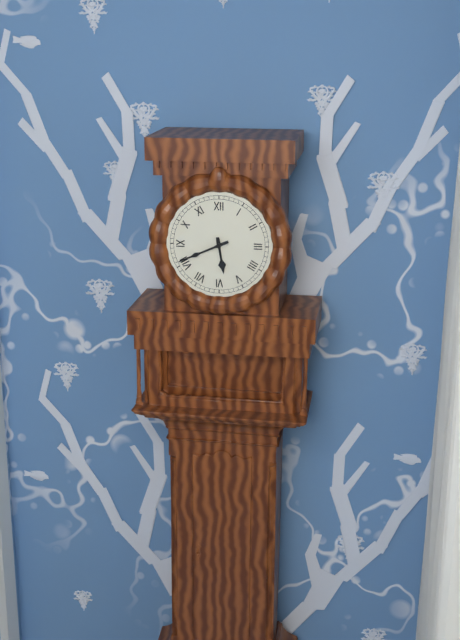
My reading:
{"hour": 5, "minute": 41}
